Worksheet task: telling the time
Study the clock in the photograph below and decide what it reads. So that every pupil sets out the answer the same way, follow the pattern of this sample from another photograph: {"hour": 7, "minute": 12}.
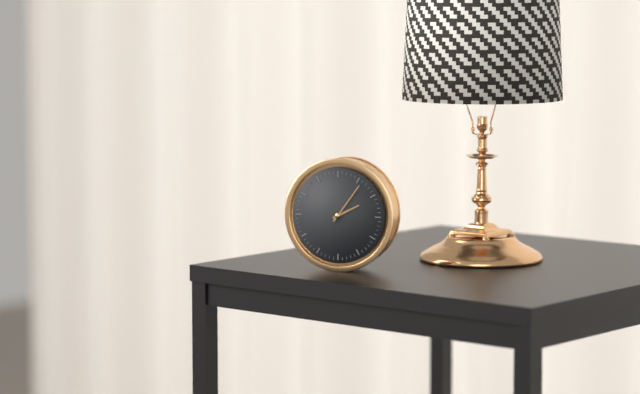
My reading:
{"hour": 2, "minute": 6}
